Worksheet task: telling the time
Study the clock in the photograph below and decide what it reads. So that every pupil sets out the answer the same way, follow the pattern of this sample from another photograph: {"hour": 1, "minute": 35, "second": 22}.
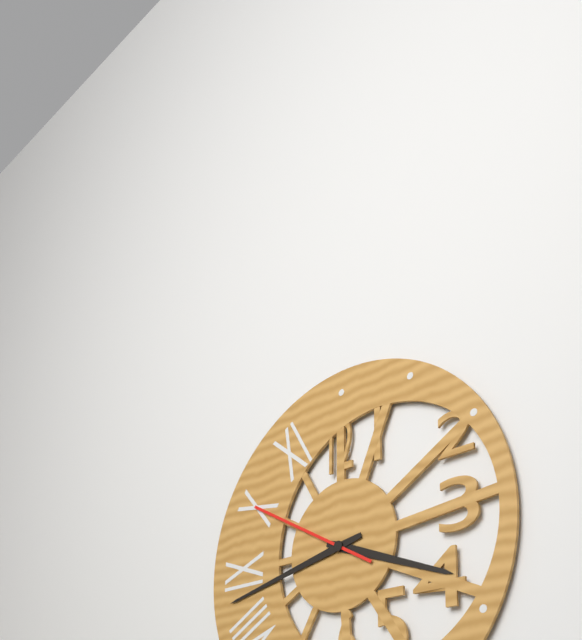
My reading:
{"hour": 3, "minute": 43, "second": 50}
